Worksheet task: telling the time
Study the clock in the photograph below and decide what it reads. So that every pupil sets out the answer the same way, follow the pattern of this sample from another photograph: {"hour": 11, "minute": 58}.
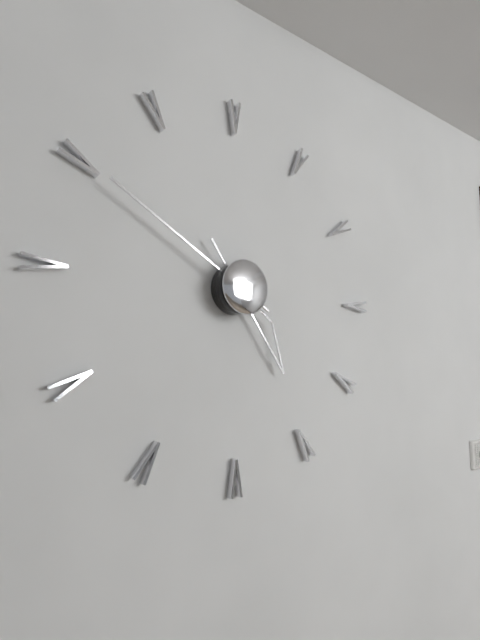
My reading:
{"hour": 4, "minute": 50}
